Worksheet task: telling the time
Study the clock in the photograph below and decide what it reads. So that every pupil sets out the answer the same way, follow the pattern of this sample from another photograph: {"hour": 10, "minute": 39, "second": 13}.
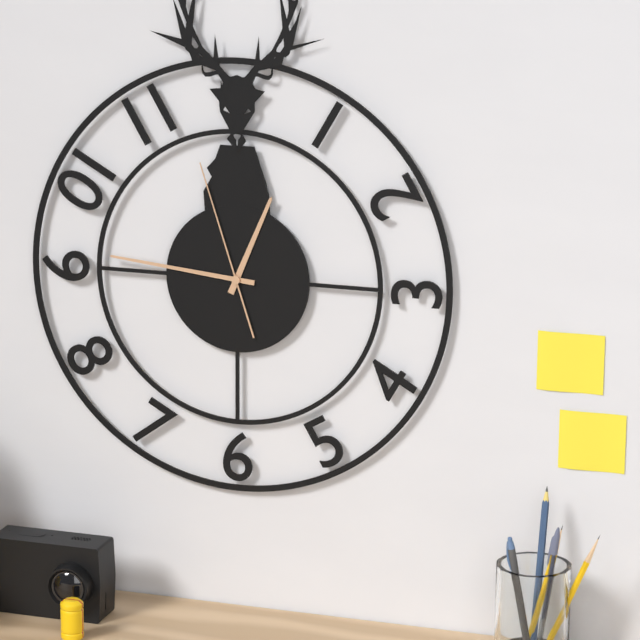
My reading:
{"hour": 12, "minute": 46, "second": 57}
